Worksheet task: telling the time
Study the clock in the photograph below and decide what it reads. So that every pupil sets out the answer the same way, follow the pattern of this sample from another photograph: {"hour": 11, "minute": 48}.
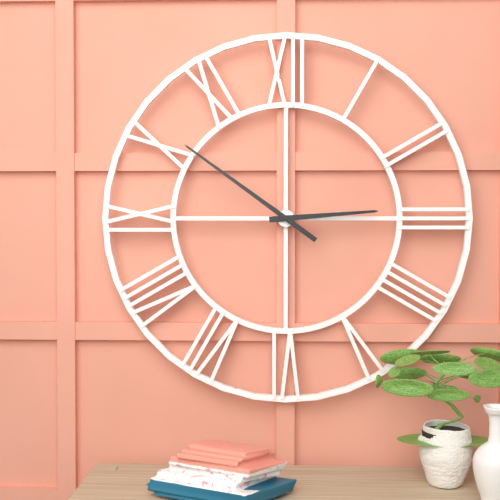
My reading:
{"hour": 2, "minute": 51}
